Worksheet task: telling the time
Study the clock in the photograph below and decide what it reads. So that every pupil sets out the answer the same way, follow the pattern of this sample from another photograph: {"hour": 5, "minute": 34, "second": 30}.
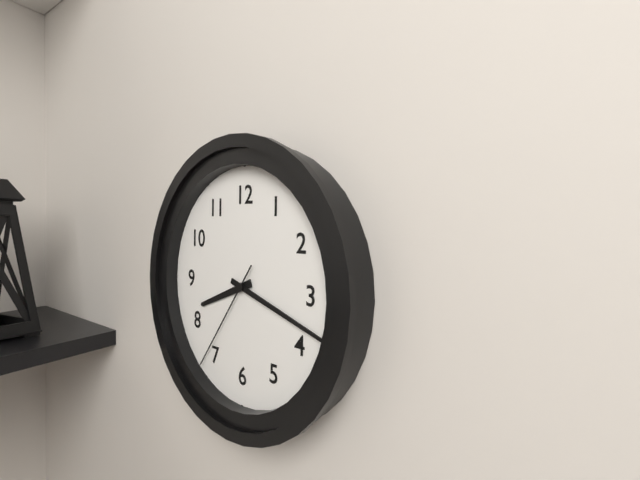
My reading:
{"hour": 8, "minute": 18, "second": 36}
